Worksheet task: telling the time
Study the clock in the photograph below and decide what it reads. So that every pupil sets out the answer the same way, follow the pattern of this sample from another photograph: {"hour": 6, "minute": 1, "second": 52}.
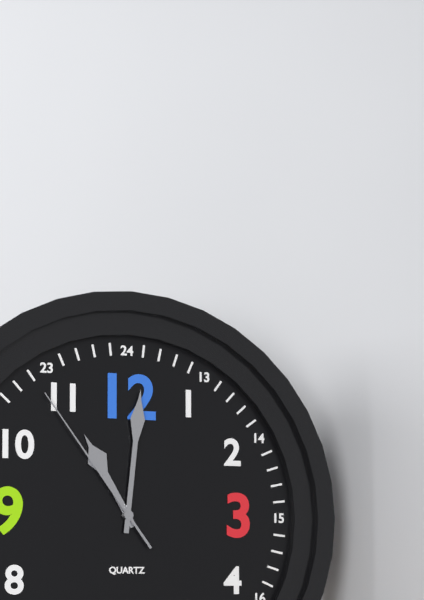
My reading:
{"hour": 11, "minute": 1, "second": 54}
